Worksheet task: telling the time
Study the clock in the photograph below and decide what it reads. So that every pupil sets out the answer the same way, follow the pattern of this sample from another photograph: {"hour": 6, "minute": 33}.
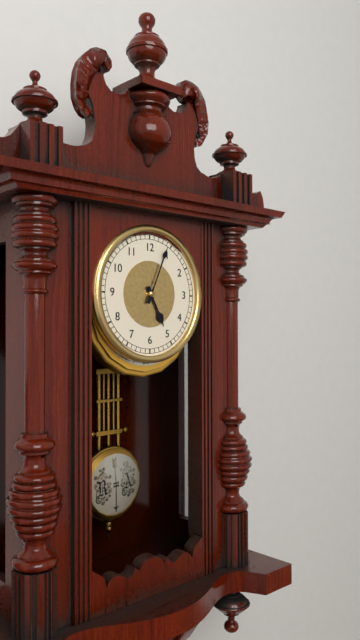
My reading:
{"hour": 5, "minute": 4}
